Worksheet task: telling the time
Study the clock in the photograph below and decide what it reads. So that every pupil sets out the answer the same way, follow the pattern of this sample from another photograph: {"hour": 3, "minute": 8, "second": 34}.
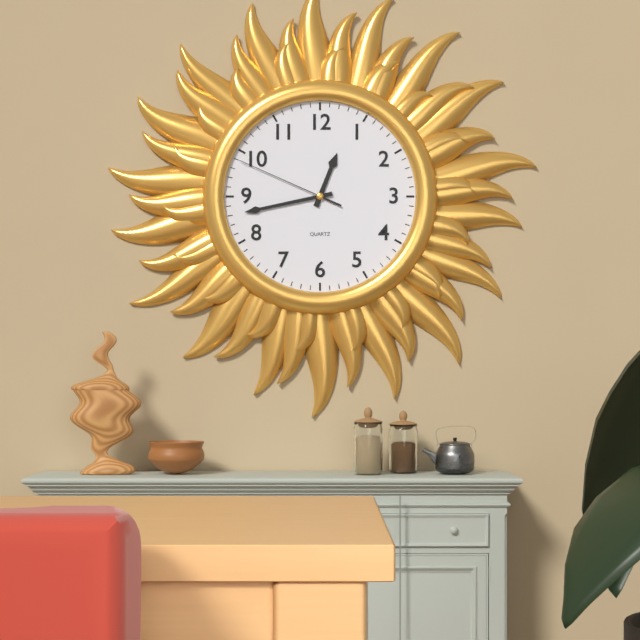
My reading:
{"hour": 12, "minute": 43, "second": 49}
